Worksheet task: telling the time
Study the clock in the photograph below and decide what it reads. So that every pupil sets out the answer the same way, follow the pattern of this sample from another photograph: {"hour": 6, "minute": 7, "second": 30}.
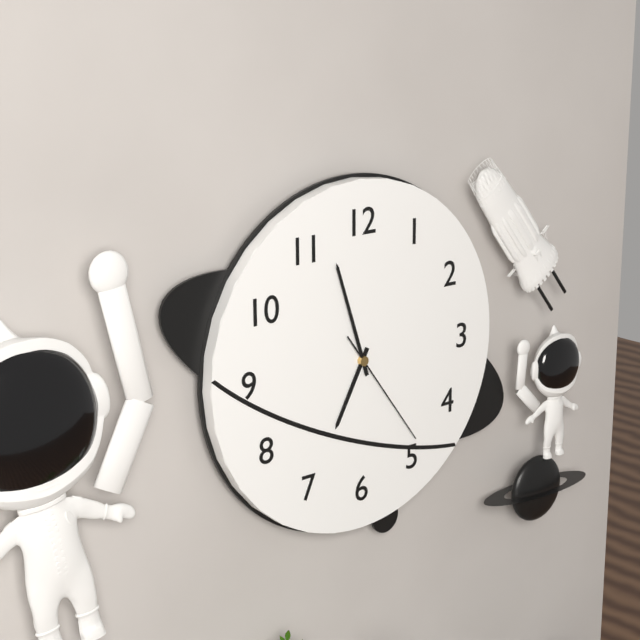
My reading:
{"hour": 6, "minute": 57, "second": 24}
